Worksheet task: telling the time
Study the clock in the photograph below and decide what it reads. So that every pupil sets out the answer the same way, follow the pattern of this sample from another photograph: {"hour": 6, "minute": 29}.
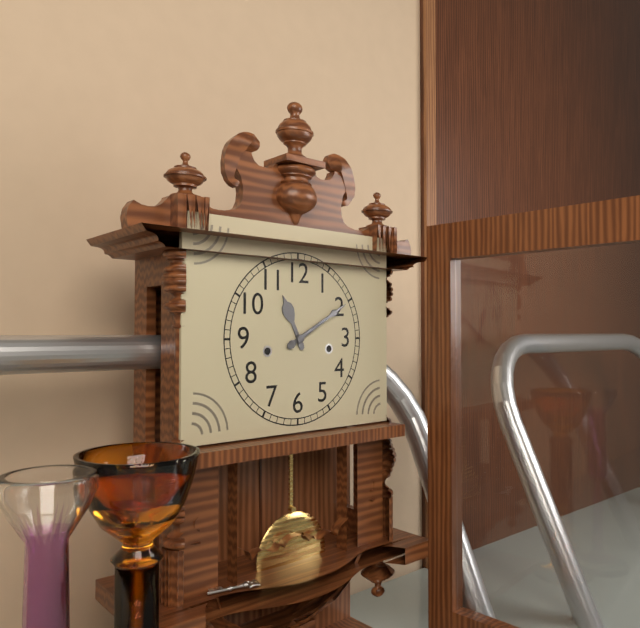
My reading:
{"hour": 11, "minute": 10}
